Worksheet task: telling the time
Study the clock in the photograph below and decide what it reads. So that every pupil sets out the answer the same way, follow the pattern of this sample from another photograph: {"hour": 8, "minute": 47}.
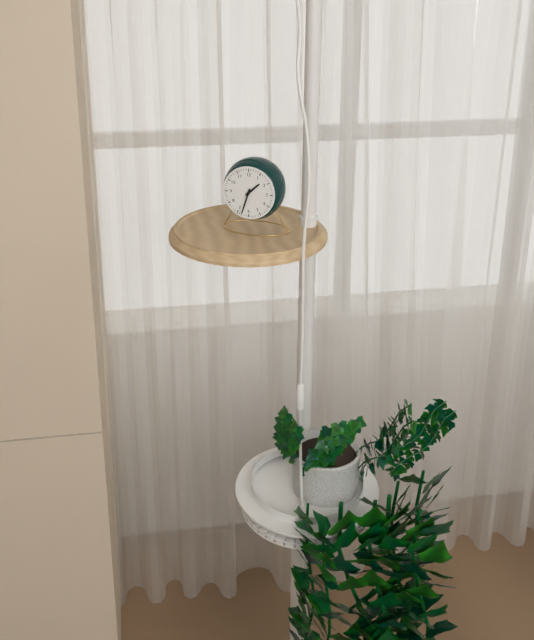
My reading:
{"hour": 1, "minute": 33}
